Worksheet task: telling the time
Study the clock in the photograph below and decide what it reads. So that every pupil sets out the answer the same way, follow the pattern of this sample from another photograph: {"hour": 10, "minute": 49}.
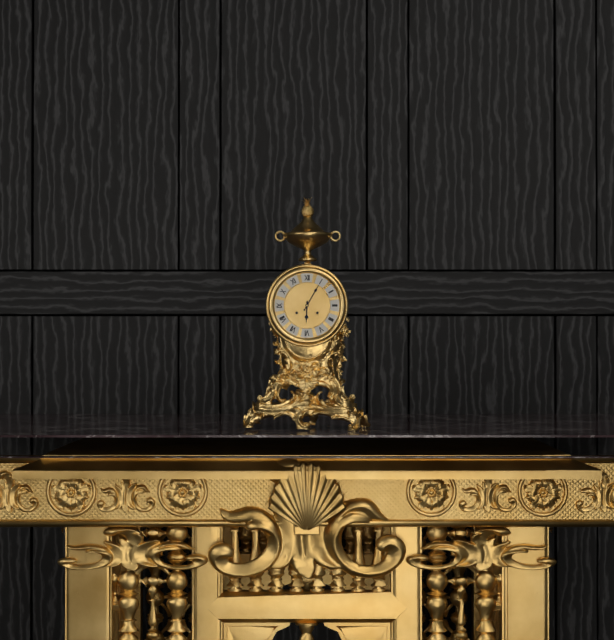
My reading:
{"hour": 6, "minute": 5}
